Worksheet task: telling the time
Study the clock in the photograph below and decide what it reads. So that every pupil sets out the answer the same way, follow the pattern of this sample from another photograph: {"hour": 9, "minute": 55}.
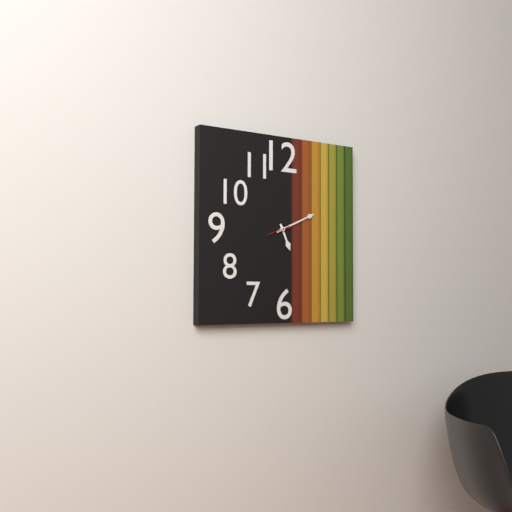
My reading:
{"hour": 5, "minute": 11}
